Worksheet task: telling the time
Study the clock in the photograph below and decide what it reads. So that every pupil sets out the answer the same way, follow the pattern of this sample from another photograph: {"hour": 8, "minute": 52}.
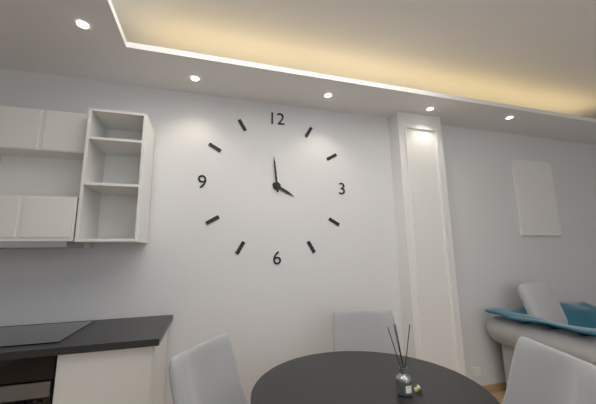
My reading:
{"hour": 3, "minute": 59}
